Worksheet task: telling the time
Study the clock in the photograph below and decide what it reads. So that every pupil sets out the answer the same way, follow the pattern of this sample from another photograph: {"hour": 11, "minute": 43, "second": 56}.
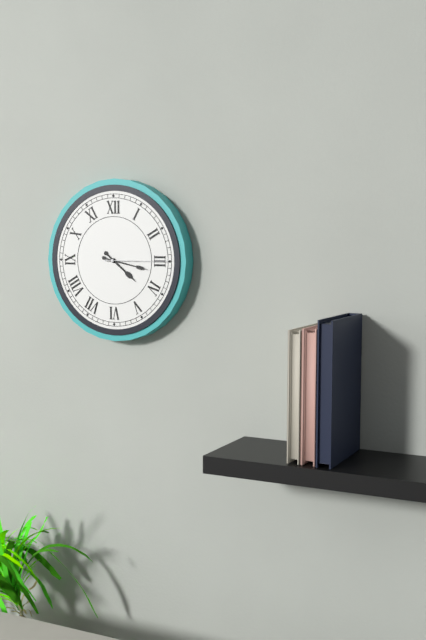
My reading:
{"hour": 4, "minute": 17, "second": 15}
